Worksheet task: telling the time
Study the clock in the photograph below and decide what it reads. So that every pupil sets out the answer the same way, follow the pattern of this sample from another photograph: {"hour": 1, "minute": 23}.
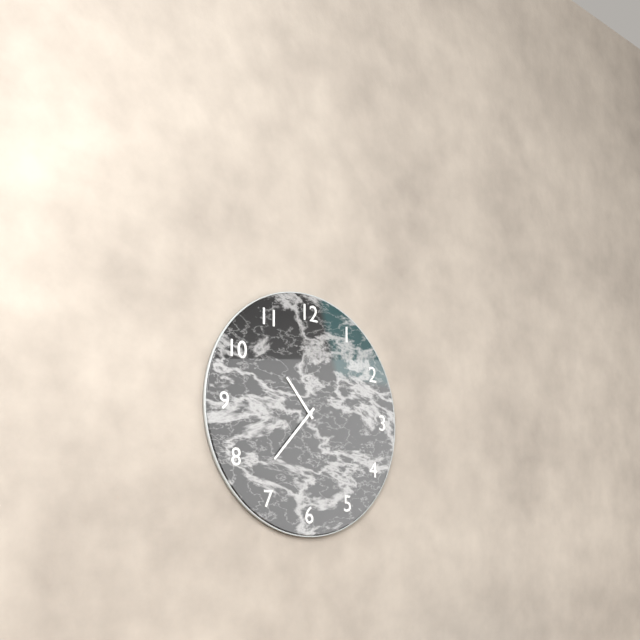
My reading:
{"hour": 10, "minute": 37}
